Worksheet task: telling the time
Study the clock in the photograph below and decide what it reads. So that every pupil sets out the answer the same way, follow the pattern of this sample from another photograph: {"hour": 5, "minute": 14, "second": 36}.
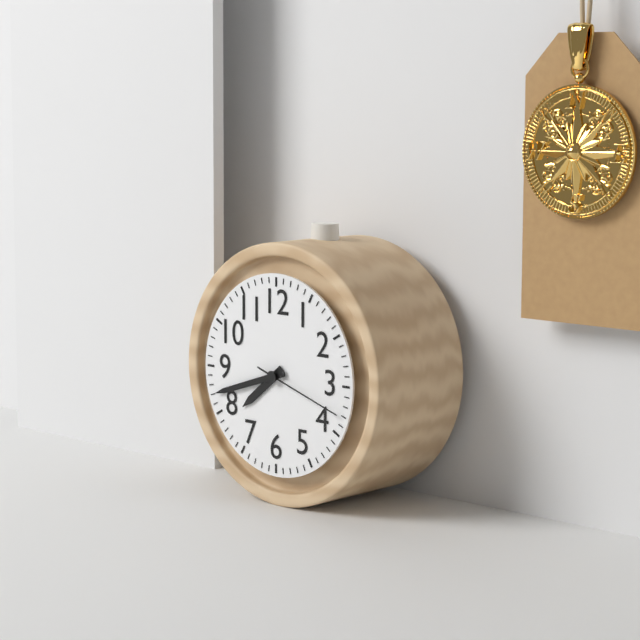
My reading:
{"hour": 7, "minute": 42, "second": 18}
